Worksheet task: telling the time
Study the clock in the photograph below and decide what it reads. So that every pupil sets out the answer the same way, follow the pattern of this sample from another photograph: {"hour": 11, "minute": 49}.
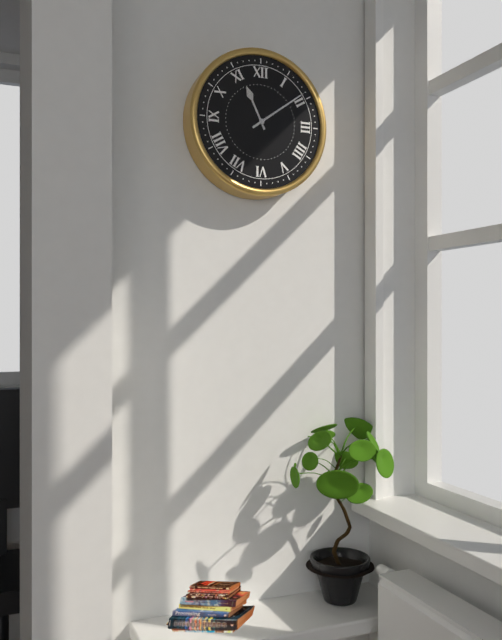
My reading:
{"hour": 11, "minute": 9}
